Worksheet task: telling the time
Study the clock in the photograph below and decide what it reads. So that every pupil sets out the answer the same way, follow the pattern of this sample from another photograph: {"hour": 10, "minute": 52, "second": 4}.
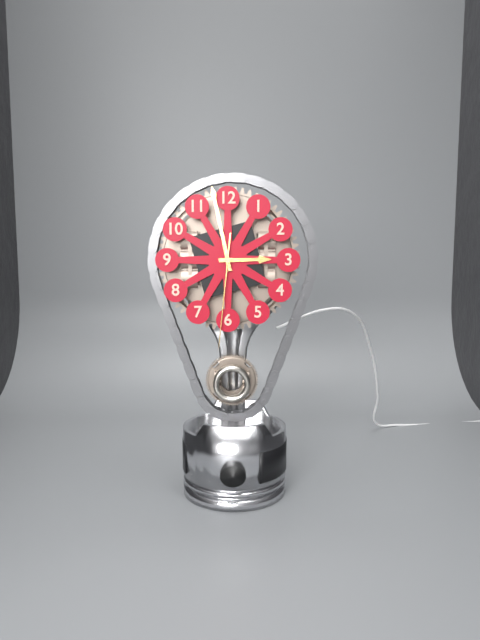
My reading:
{"hour": 2, "minute": 58, "second": 31}
